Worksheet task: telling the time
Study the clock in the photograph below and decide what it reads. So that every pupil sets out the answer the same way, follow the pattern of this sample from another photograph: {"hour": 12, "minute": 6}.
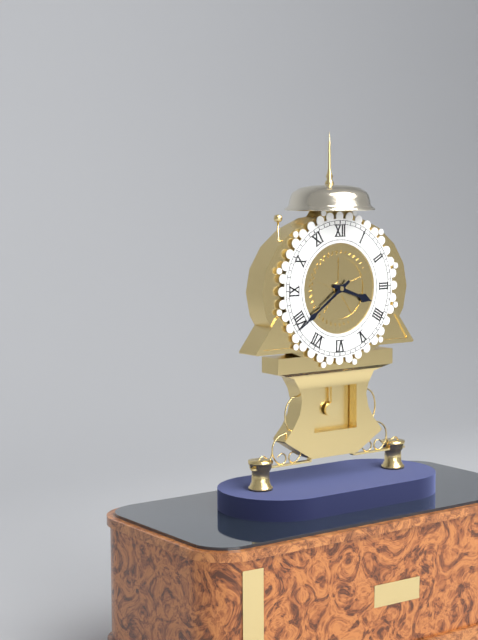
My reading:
{"hour": 3, "minute": 39}
